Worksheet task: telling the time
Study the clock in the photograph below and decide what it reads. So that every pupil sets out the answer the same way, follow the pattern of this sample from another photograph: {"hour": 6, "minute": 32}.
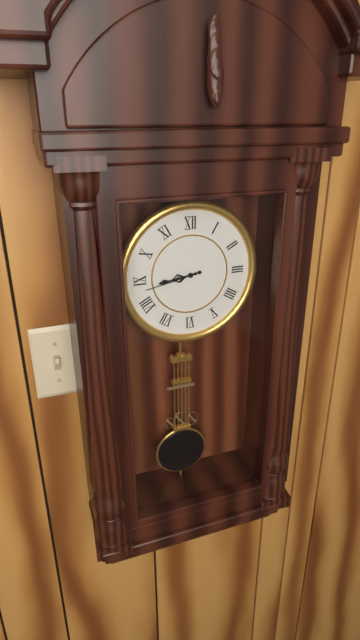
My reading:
{"hour": 8, "minute": 43}
